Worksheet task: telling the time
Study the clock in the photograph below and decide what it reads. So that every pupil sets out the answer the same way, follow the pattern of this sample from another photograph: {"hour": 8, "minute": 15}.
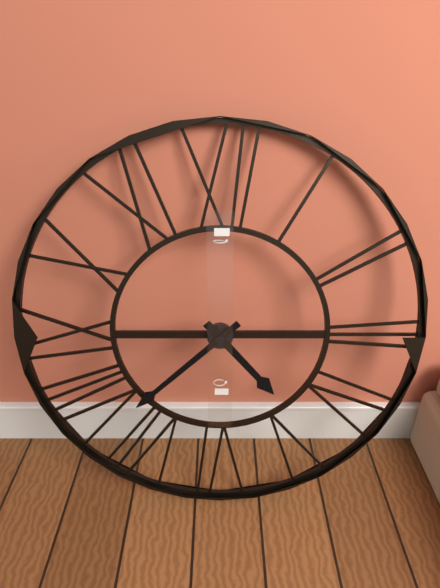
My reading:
{"hour": 4, "minute": 38}
